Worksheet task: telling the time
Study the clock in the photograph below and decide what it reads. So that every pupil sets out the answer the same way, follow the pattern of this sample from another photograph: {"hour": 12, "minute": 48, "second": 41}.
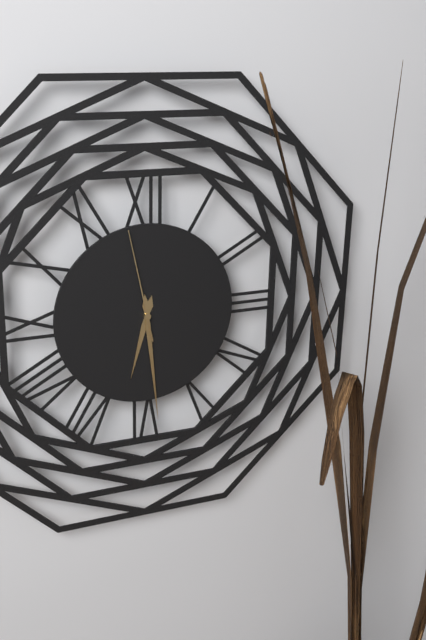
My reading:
{"hour": 6, "minute": 29, "second": 58}
